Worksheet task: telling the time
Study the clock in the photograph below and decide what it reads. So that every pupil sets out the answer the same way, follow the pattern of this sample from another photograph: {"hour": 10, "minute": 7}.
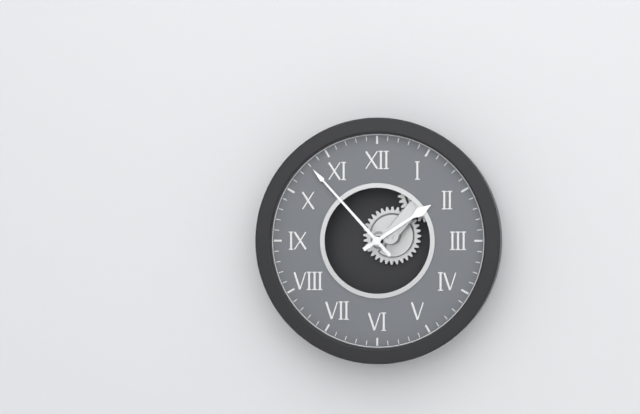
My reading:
{"hour": 1, "minute": 53}
